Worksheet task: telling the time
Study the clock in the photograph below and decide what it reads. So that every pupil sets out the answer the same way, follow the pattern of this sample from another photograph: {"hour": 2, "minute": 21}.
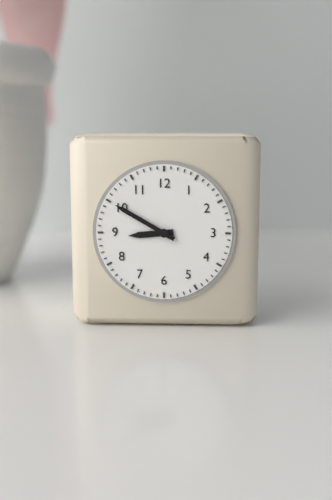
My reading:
{"hour": 8, "minute": 50}
